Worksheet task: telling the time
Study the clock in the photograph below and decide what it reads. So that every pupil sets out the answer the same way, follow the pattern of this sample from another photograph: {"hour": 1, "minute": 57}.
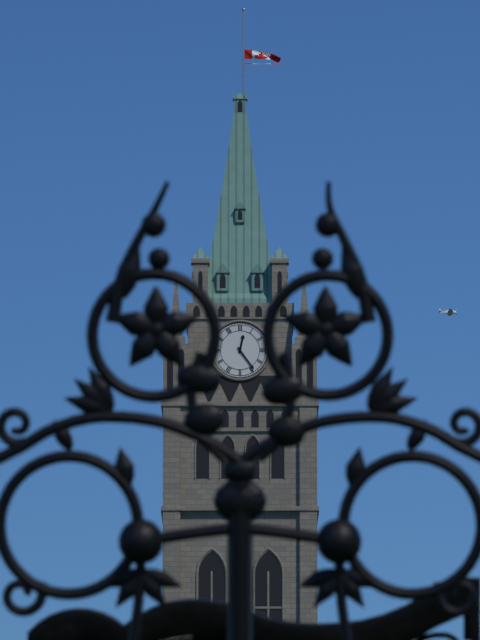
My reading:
{"hour": 12, "minute": 24}
